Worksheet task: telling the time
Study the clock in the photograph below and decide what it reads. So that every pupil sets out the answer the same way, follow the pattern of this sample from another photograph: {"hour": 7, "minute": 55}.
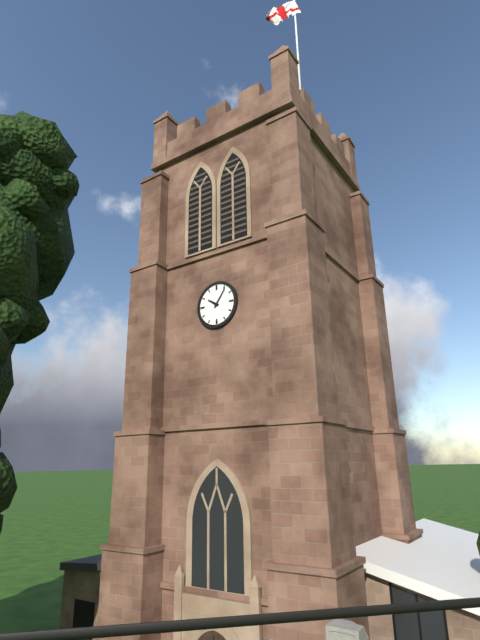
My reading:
{"hour": 10, "minute": 6}
